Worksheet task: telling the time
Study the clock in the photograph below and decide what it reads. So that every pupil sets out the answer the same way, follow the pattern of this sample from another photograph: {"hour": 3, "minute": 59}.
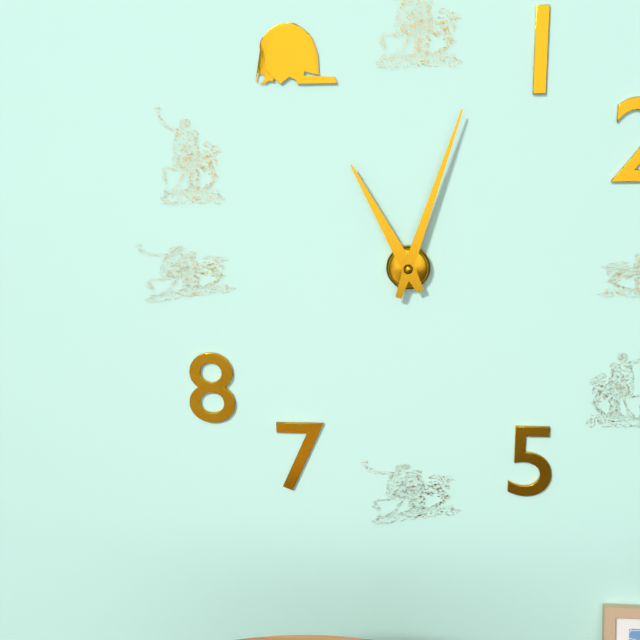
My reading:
{"hour": 11, "minute": 3}
